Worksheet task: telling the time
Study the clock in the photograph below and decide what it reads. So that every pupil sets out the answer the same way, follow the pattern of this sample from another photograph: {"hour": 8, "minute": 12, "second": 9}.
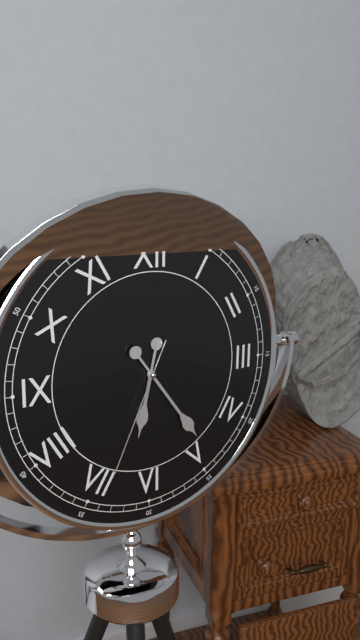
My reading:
{"hour": 6, "minute": 24, "second": 34}
